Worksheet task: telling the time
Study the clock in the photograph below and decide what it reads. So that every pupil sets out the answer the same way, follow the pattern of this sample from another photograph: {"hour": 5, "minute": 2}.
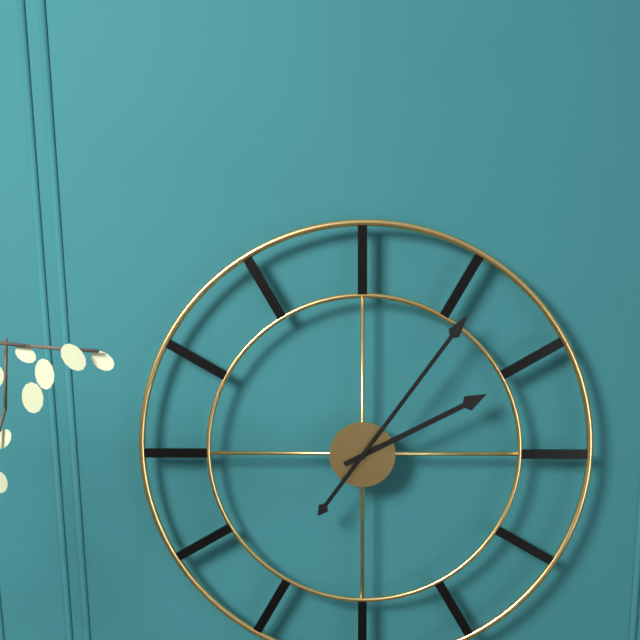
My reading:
{"hour": 2, "minute": 6}
